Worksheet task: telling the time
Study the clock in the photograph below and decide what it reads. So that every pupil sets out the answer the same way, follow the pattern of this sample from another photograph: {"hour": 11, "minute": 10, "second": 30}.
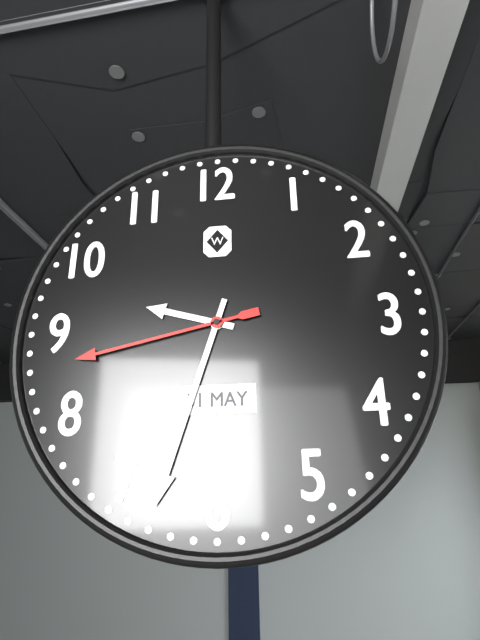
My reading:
{"hour": 9, "minute": 33, "second": 43}
